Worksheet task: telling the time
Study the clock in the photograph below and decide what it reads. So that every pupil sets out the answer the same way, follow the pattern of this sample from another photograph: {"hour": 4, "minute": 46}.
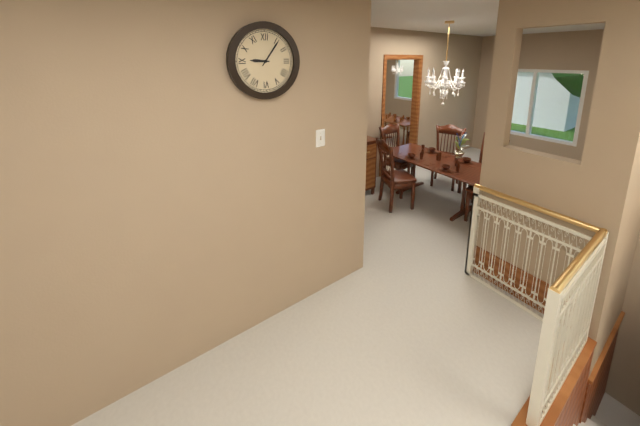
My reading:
{"hour": 9, "minute": 6}
